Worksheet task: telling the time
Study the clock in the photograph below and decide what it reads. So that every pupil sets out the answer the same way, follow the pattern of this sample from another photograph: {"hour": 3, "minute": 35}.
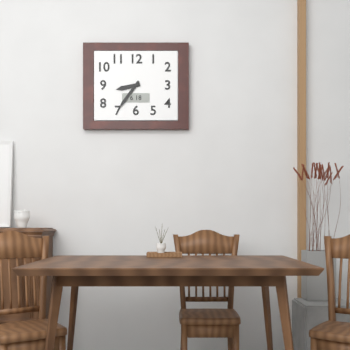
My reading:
{"hour": 8, "minute": 36}
